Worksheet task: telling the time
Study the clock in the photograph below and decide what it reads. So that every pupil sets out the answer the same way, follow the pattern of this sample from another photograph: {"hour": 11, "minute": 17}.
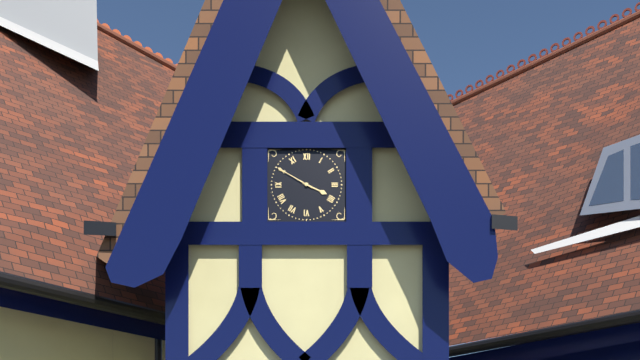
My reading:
{"hour": 3, "minute": 50}
